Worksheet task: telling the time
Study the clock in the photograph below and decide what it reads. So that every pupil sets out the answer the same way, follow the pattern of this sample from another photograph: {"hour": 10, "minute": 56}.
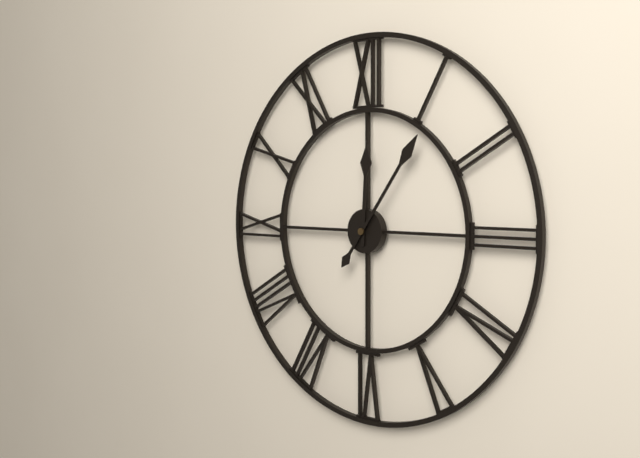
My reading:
{"hour": 12, "minute": 6}
